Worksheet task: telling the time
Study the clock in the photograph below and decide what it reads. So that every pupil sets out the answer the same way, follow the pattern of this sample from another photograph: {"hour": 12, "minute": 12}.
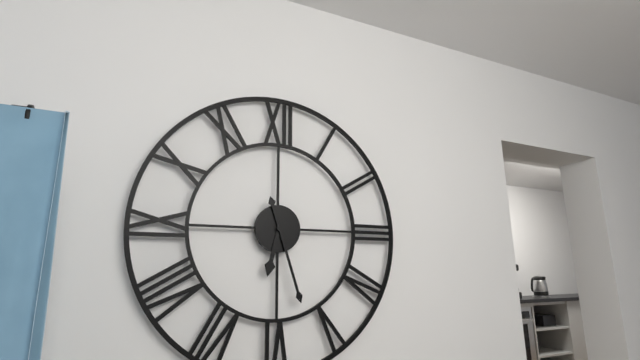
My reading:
{"hour": 6, "minute": 27}
